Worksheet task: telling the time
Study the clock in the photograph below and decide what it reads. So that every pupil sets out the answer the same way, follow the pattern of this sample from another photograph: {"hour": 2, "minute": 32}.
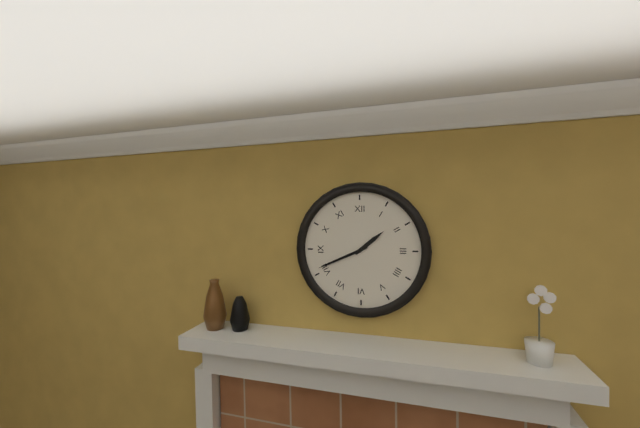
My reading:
{"hour": 1, "minute": 41}
